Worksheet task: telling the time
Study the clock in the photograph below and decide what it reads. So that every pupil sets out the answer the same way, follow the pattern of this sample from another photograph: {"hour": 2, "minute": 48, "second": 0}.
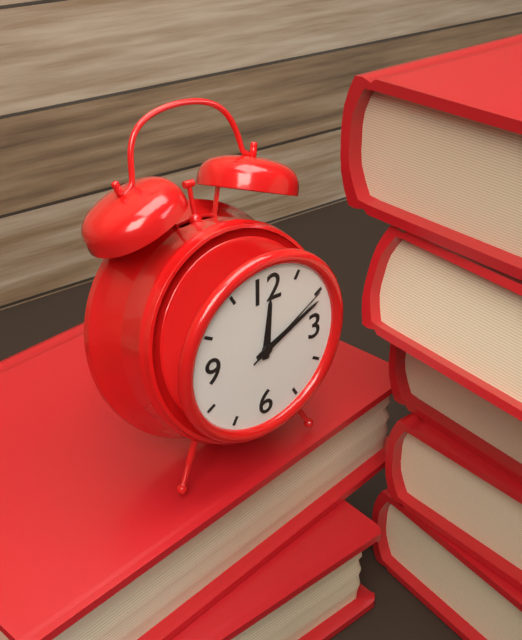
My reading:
{"hour": 12, "minute": 11, "second": 10}
